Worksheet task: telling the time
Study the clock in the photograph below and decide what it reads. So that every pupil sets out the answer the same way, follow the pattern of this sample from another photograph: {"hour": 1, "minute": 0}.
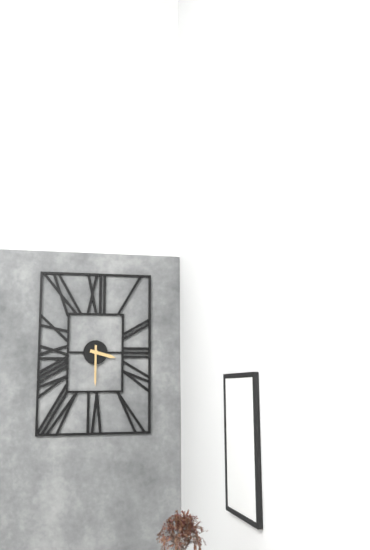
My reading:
{"hour": 3, "minute": 30}
